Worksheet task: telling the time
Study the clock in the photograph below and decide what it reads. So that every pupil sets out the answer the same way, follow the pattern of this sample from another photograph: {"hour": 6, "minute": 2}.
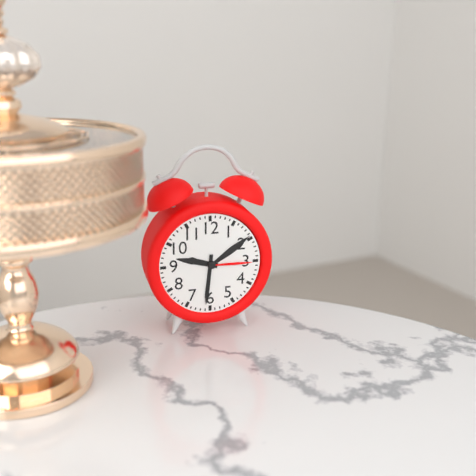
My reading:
{"hour": 9, "minute": 31}
